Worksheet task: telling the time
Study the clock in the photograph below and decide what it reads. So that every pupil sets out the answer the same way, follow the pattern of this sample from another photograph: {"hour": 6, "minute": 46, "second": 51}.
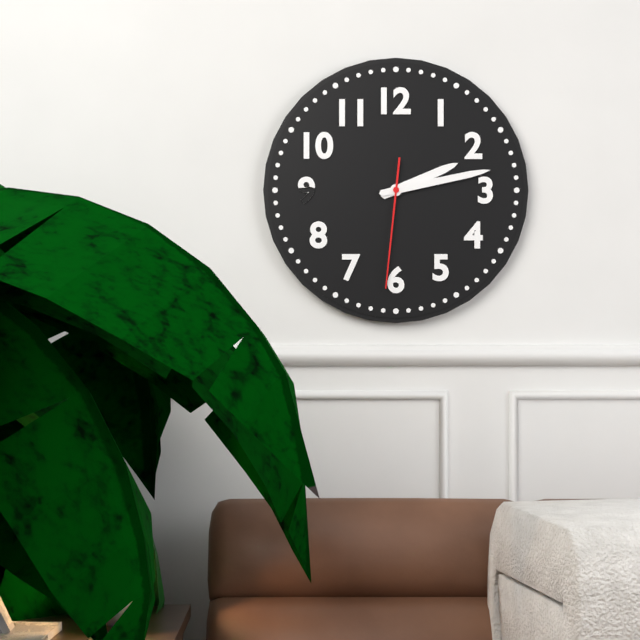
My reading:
{"hour": 2, "minute": 13, "second": 31}
